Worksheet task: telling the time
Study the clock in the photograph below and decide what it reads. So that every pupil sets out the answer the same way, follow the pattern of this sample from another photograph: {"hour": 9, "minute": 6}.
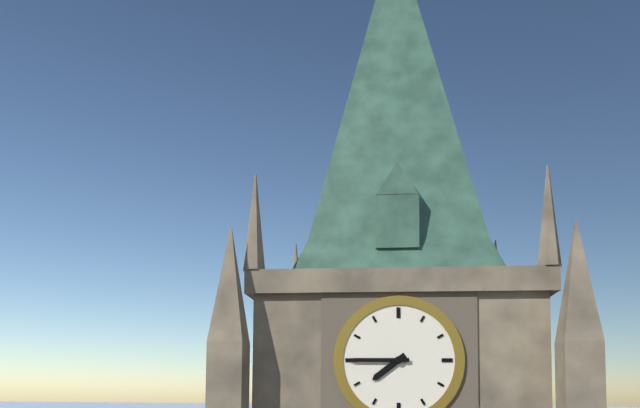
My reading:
{"hour": 7, "minute": 45}
